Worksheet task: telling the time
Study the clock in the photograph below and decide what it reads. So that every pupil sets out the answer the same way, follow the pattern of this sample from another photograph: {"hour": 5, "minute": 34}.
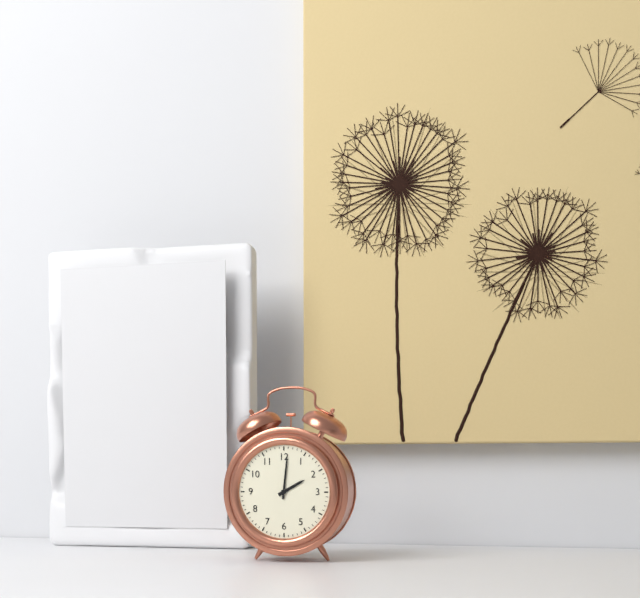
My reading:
{"hour": 2, "minute": 1}
